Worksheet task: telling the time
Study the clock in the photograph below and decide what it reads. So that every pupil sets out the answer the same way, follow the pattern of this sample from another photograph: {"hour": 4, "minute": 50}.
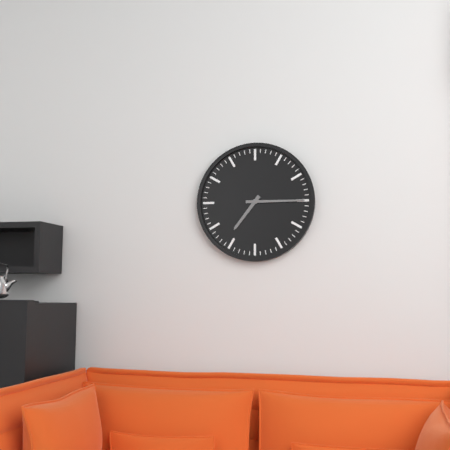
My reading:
{"hour": 7, "minute": 15}
